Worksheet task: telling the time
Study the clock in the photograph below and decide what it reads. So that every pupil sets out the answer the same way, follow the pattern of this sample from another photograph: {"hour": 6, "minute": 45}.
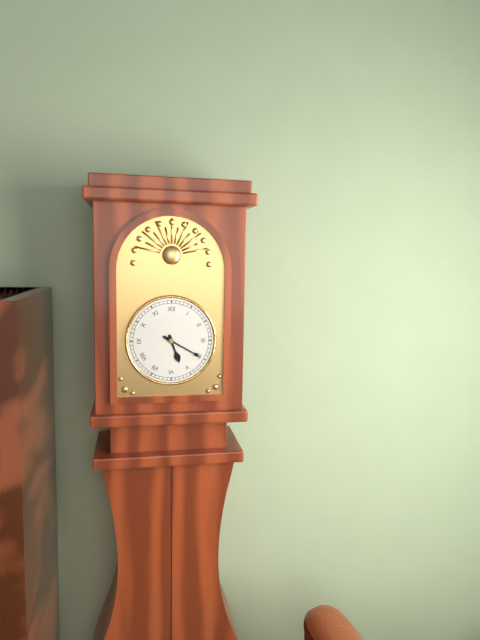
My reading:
{"hour": 5, "minute": 20}
